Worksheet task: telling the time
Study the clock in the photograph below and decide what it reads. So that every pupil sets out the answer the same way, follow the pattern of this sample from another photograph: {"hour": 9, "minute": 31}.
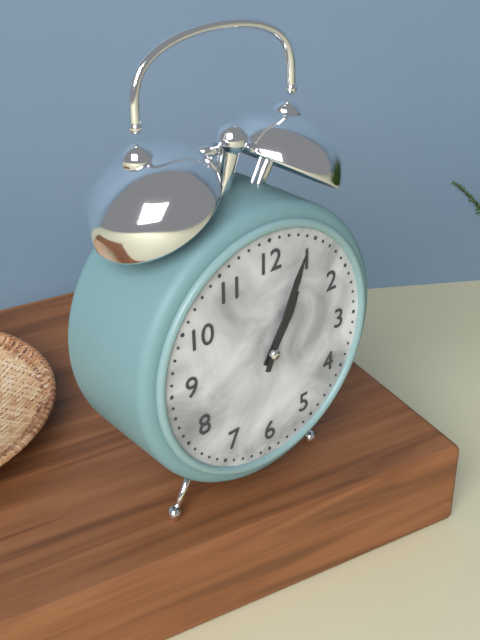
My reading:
{"hour": 1, "minute": 4}
